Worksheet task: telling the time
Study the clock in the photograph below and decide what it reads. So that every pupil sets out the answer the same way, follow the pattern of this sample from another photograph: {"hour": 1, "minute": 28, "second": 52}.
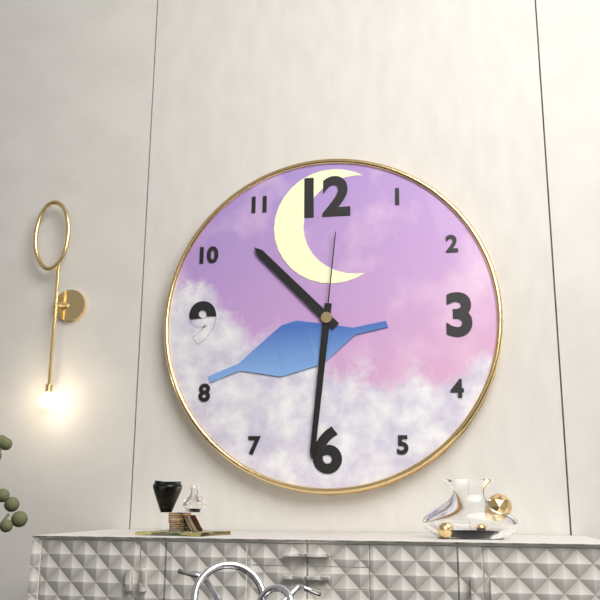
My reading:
{"hour": 10, "minute": 31, "second": 1}
